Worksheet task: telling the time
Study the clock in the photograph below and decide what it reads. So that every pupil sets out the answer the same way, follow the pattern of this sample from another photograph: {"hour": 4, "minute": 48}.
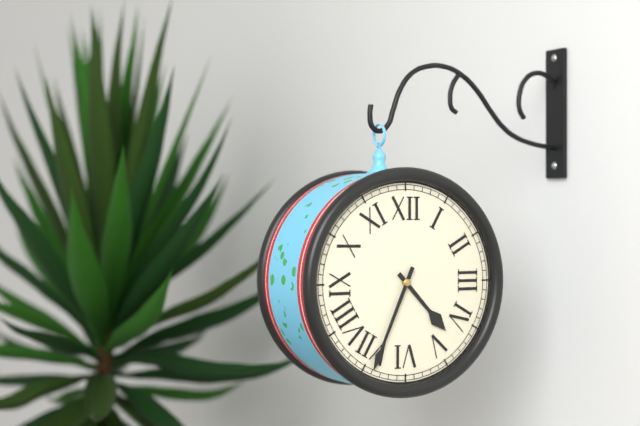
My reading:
{"hour": 4, "minute": 34}
